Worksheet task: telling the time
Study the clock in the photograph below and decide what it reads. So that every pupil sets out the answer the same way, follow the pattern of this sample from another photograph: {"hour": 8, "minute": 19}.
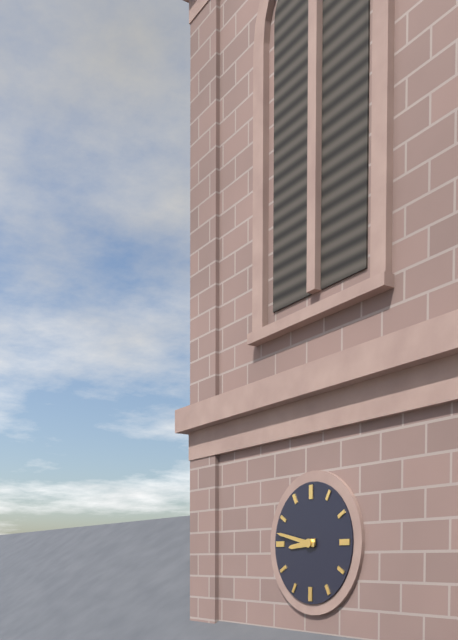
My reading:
{"hour": 8, "minute": 47}
